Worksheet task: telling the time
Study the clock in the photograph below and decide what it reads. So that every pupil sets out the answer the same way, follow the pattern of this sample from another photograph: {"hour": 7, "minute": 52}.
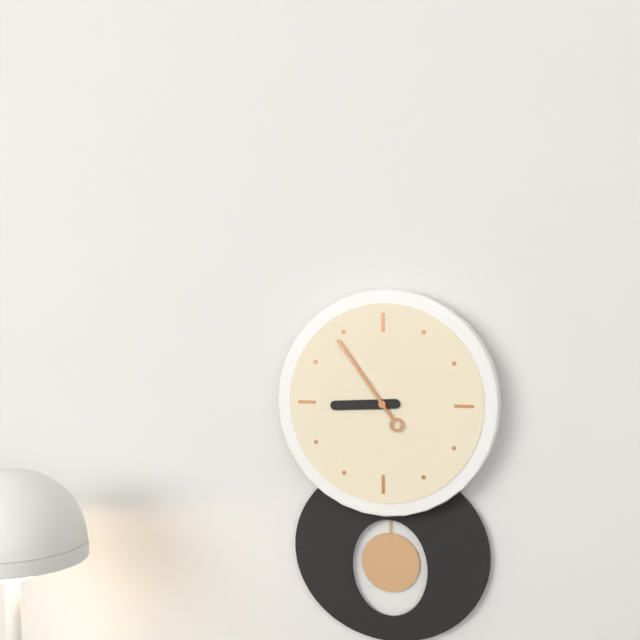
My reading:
{"hour": 8, "minute": 54}
